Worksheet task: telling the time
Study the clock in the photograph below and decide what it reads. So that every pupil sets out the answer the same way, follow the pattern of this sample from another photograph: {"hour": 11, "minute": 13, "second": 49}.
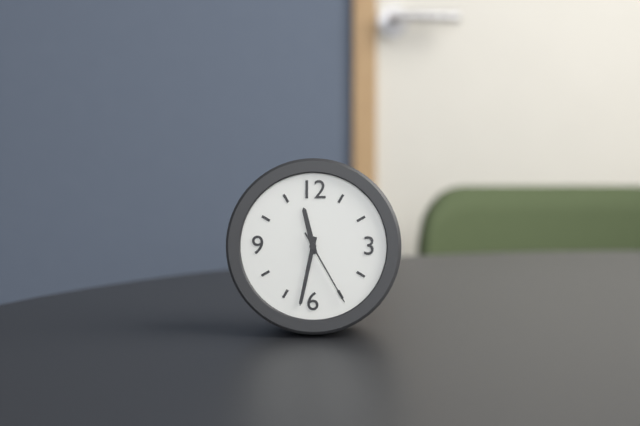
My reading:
{"hour": 11, "minute": 32, "second": 25}
